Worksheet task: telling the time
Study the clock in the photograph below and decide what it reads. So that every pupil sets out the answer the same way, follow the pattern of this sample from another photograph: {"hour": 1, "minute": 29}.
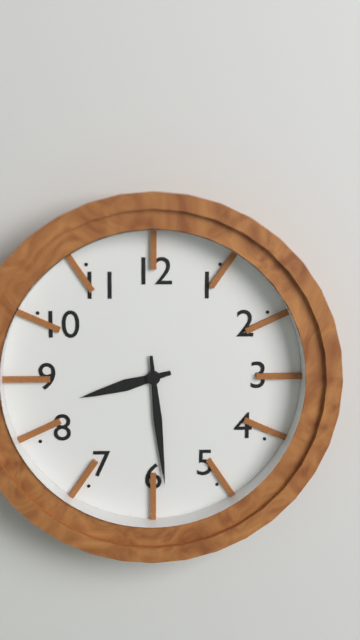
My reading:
{"hour": 8, "minute": 29}
